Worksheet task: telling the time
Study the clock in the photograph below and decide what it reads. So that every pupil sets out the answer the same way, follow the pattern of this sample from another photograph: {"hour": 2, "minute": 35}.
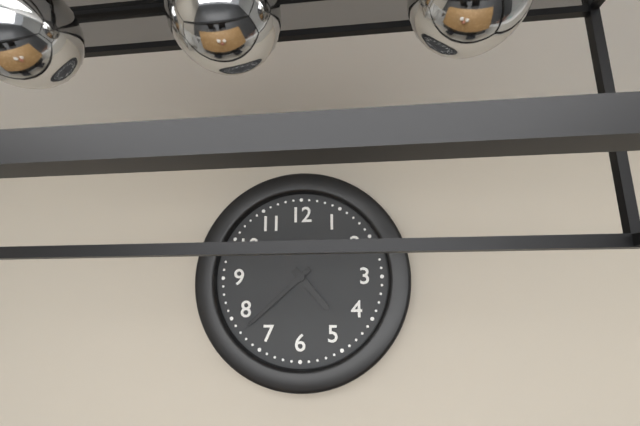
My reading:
{"hour": 4, "minute": 38}
